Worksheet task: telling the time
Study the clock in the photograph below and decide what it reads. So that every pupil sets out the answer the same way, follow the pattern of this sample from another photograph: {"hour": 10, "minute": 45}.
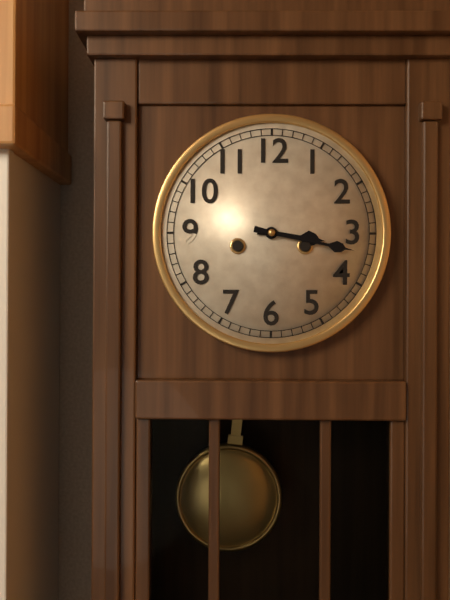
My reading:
{"hour": 3, "minute": 17}
